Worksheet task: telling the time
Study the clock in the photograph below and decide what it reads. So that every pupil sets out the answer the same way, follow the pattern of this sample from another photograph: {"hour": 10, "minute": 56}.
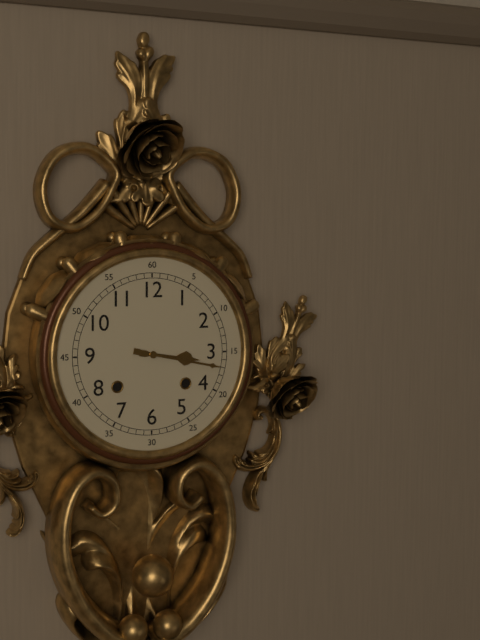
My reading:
{"hour": 3, "minute": 17}
